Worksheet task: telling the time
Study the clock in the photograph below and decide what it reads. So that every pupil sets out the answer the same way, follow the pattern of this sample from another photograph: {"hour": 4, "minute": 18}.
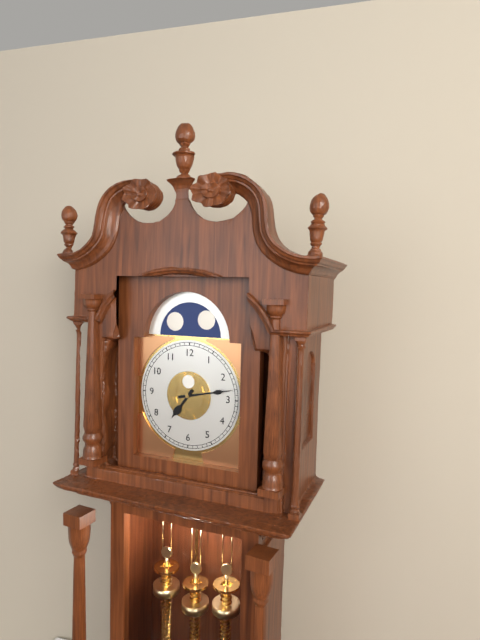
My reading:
{"hour": 7, "minute": 13}
